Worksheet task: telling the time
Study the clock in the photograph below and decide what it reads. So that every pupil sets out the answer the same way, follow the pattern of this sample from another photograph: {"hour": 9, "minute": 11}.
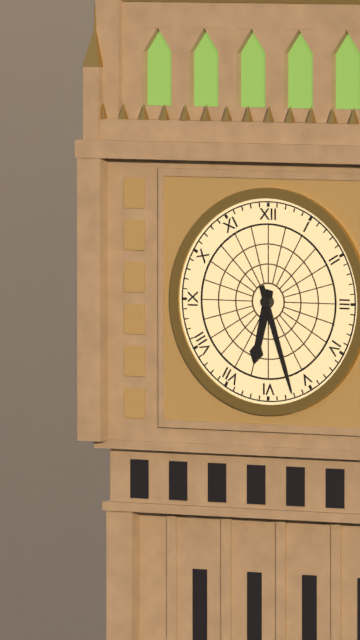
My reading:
{"hour": 6, "minute": 27}
